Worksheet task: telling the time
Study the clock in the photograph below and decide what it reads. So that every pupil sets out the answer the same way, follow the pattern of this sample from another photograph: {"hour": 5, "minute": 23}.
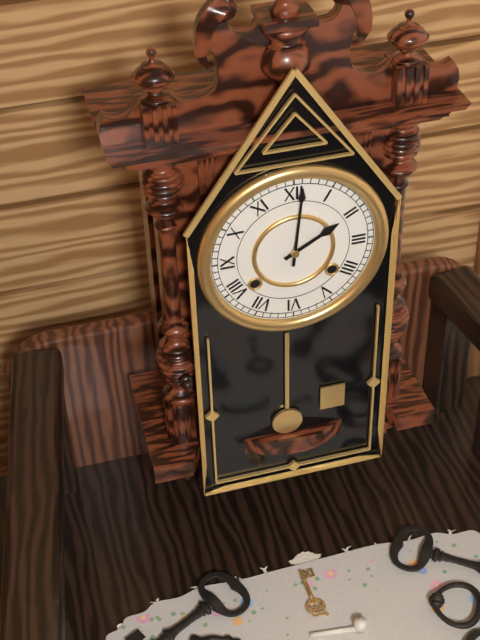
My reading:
{"hour": 2, "minute": 1}
